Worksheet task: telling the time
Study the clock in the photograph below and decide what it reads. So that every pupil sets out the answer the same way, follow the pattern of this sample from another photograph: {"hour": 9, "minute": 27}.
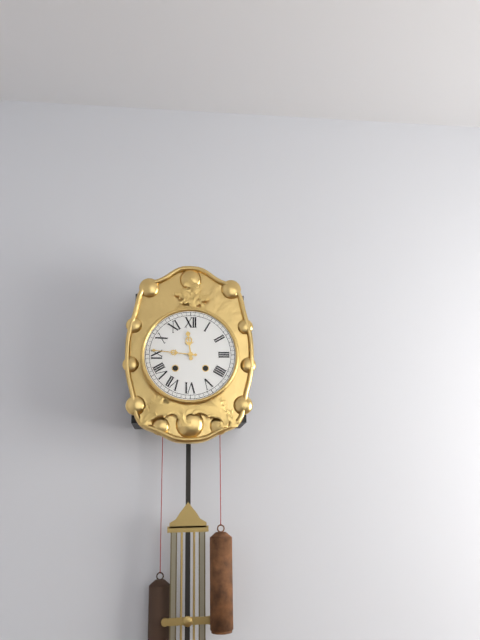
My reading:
{"hour": 11, "minute": 46}
